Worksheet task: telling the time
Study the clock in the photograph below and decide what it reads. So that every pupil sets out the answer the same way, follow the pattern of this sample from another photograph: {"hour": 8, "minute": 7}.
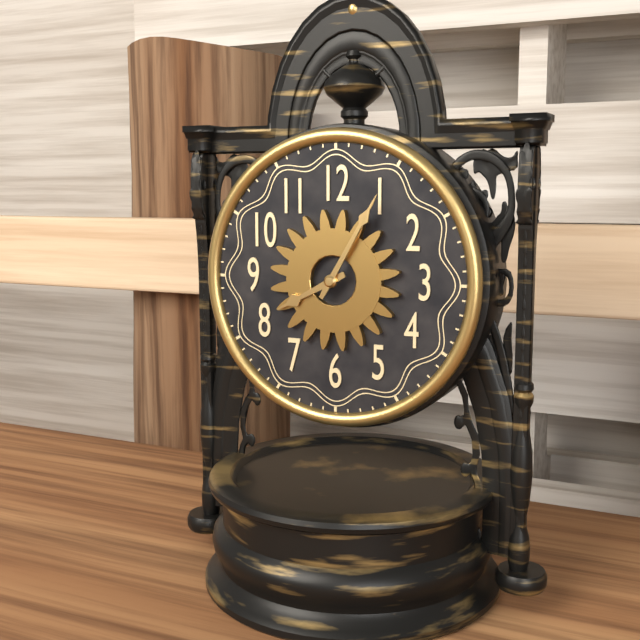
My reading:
{"hour": 8, "minute": 5}
